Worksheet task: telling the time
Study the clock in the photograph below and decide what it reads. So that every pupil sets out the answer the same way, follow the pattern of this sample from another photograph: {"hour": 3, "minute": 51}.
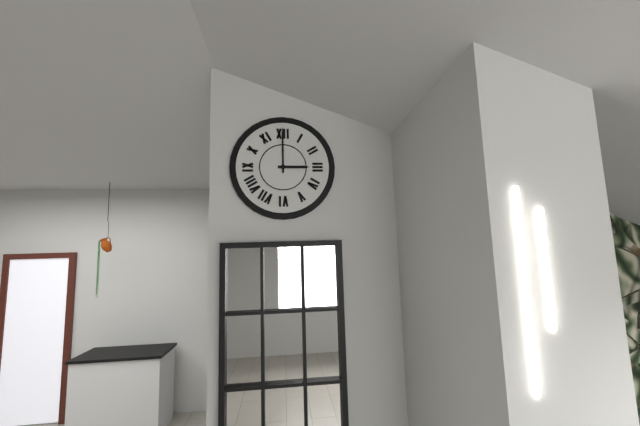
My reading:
{"hour": 3, "minute": 0}
